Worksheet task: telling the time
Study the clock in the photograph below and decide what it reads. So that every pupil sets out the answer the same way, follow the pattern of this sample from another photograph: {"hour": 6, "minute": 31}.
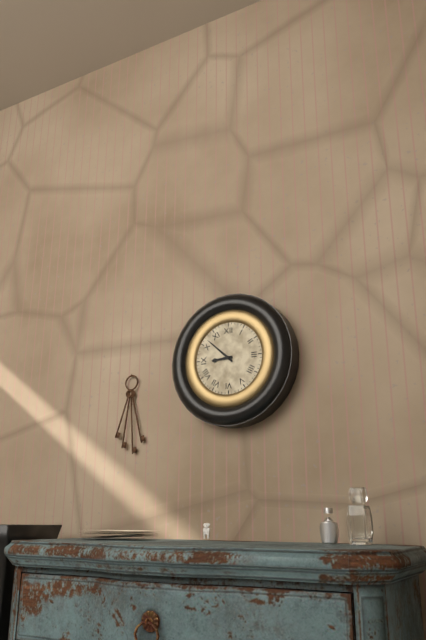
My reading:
{"hour": 8, "minute": 52}
